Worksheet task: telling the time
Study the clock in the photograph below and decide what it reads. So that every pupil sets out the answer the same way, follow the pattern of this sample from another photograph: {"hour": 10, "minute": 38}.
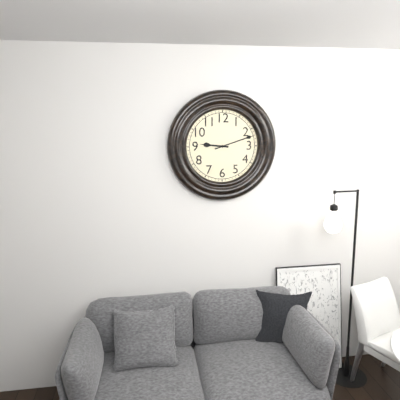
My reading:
{"hour": 9, "minute": 12}
